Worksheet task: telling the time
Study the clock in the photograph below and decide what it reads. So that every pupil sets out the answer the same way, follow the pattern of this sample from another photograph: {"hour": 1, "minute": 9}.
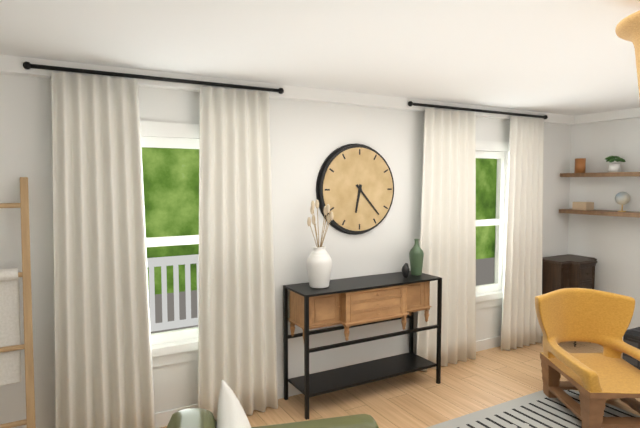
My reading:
{"hour": 6, "minute": 23}
